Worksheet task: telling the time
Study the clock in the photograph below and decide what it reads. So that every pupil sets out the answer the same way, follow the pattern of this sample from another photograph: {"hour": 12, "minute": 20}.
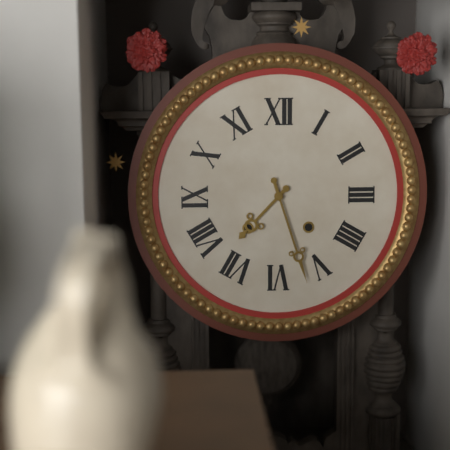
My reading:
{"hour": 7, "minute": 27}
